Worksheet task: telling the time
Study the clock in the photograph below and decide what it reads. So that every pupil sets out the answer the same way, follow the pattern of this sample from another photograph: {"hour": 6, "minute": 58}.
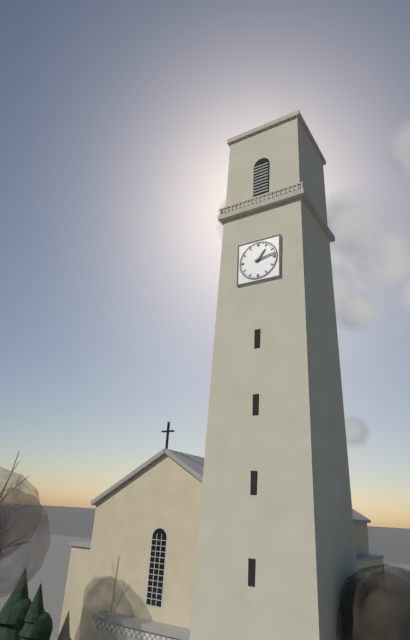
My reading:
{"hour": 1, "minute": 13}
